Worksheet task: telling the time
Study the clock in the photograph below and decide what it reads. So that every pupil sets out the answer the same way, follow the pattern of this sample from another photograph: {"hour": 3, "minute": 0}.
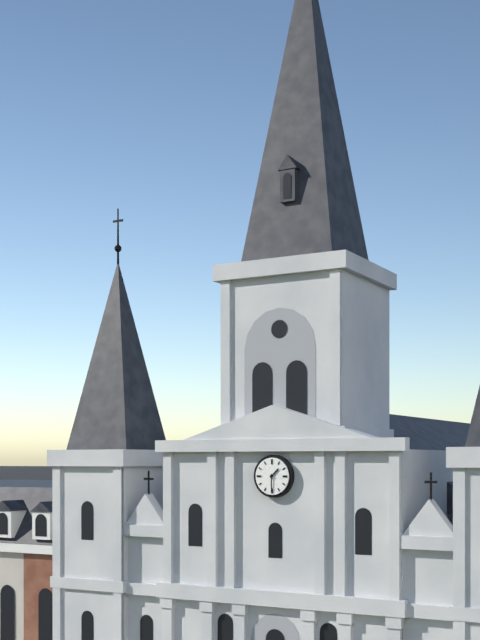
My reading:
{"hour": 1, "minute": 30}
